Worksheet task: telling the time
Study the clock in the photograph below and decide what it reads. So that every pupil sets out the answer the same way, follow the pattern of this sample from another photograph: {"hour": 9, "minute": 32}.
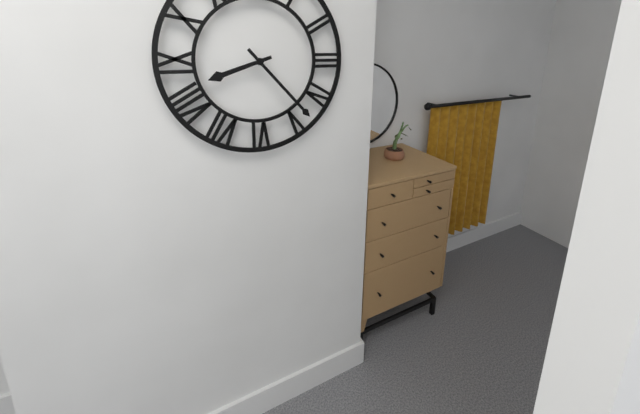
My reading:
{"hour": 8, "minute": 23}
